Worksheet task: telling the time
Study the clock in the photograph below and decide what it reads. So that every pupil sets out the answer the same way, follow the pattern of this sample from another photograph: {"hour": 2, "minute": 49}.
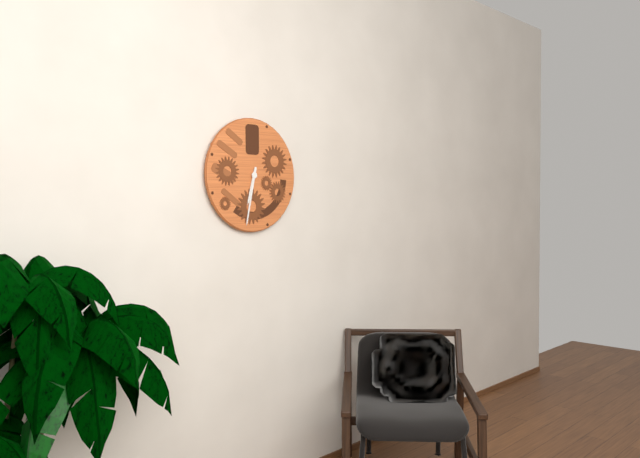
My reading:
{"hour": 6, "minute": 32}
